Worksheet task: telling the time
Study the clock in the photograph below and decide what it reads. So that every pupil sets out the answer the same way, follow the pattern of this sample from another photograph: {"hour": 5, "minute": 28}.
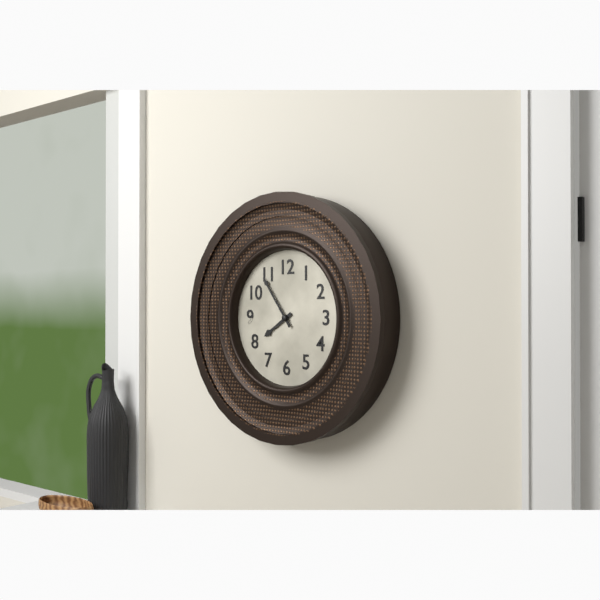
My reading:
{"hour": 7, "minute": 54}
